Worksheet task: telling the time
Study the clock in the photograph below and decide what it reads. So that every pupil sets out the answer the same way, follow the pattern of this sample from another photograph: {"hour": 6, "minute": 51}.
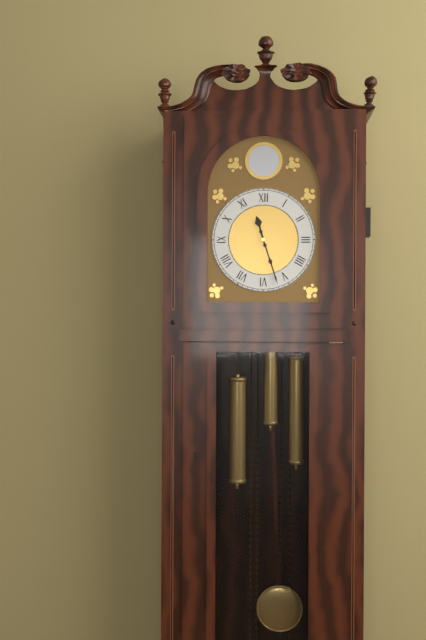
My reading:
{"hour": 11, "minute": 27}
